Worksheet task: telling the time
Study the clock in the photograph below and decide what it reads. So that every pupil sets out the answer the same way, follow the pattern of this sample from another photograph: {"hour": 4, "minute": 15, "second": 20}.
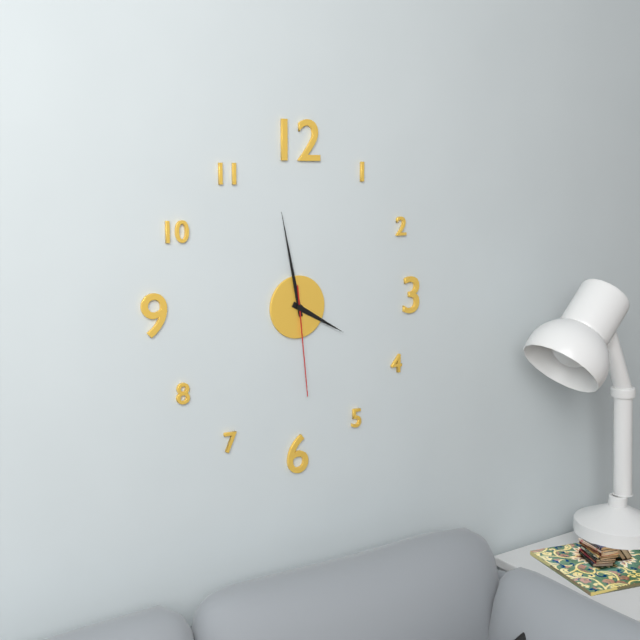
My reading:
{"hour": 3, "minute": 58, "second": 29}
